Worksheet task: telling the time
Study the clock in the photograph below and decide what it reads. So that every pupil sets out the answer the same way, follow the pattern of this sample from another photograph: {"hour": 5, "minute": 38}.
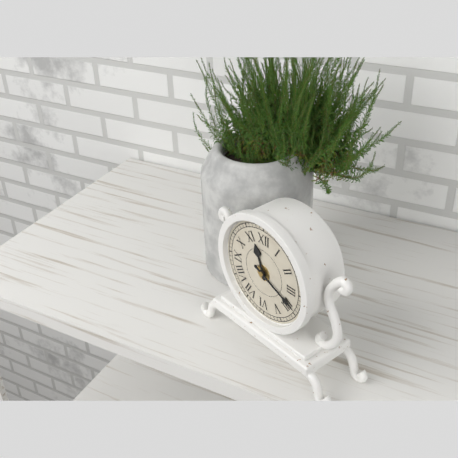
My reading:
{"hour": 11, "minute": 19}
